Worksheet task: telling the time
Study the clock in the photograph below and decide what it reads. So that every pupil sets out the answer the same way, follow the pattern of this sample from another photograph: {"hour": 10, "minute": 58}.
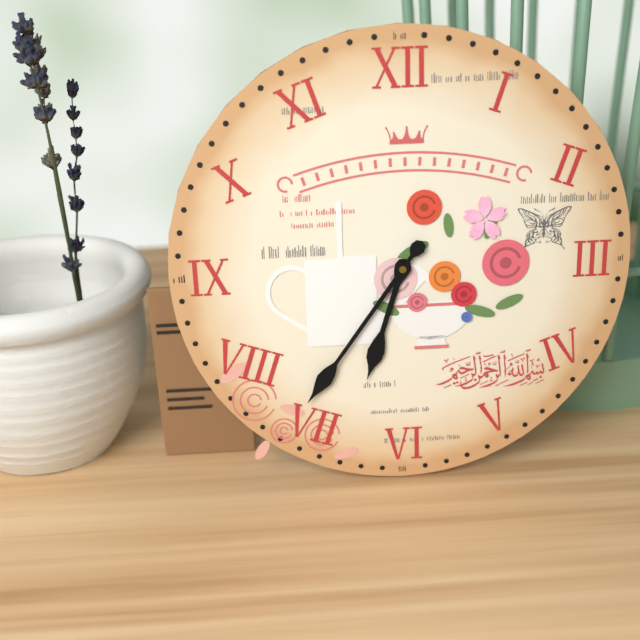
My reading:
{"hour": 6, "minute": 36}
